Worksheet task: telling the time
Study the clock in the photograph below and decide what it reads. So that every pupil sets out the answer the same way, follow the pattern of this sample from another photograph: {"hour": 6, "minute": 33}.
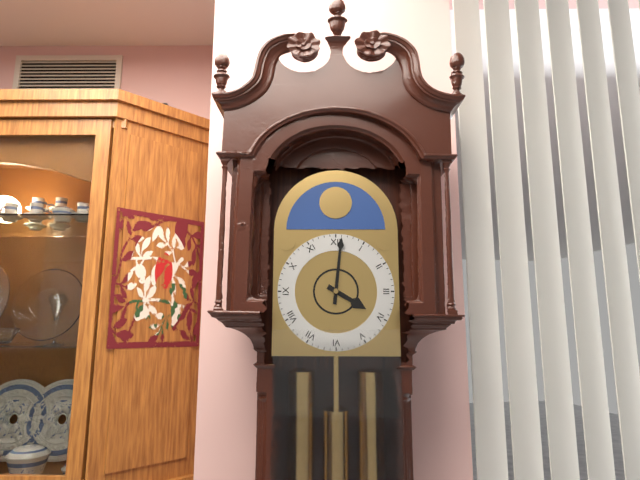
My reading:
{"hour": 4, "minute": 1}
